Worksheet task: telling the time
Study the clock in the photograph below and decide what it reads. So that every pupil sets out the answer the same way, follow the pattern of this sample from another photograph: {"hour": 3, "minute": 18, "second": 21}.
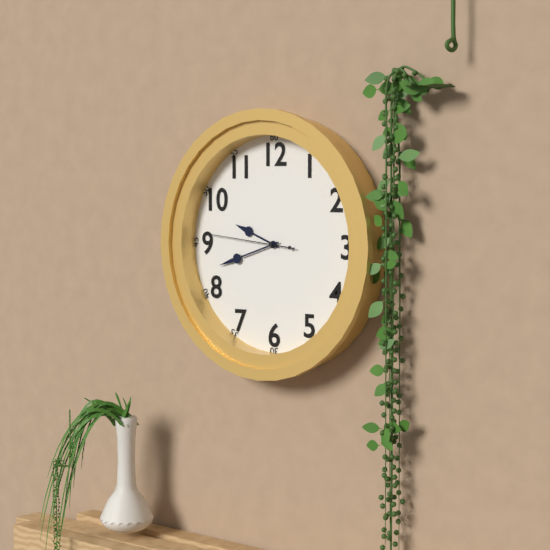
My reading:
{"hour": 9, "minute": 42, "second": 46}
